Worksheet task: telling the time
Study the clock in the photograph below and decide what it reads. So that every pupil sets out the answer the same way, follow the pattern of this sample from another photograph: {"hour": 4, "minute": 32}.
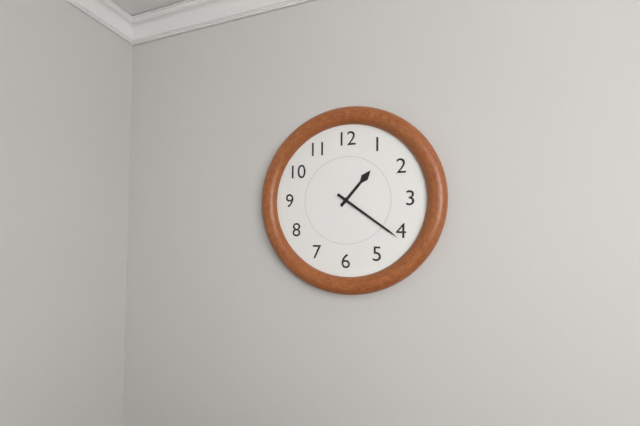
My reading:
{"hour": 1, "minute": 21}
